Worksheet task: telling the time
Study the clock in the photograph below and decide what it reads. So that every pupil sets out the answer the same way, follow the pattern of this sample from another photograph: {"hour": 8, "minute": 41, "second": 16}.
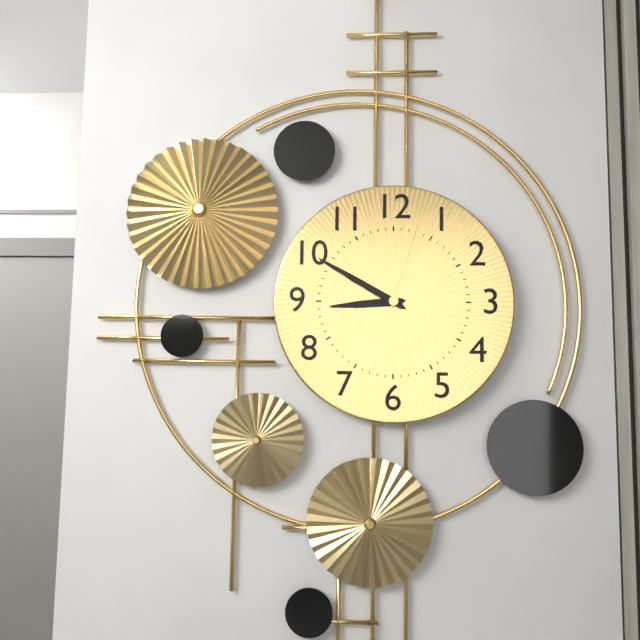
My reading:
{"hour": 8, "minute": 50, "second": 3}
